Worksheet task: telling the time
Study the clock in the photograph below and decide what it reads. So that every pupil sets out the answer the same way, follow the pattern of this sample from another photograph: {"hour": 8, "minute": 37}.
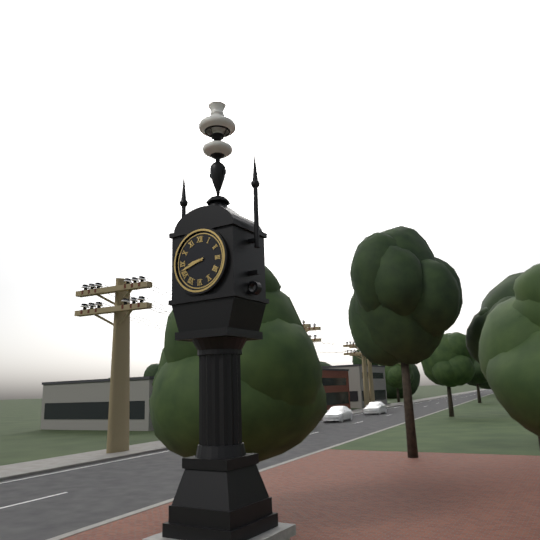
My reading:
{"hour": 8, "minute": 42}
